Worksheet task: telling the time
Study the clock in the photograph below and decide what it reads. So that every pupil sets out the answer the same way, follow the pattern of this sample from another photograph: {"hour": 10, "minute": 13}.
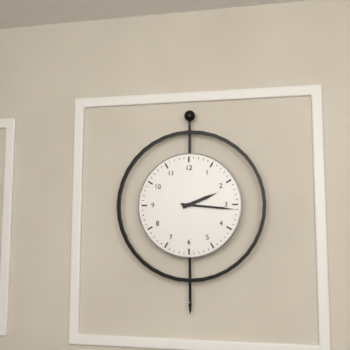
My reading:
{"hour": 2, "minute": 16}
